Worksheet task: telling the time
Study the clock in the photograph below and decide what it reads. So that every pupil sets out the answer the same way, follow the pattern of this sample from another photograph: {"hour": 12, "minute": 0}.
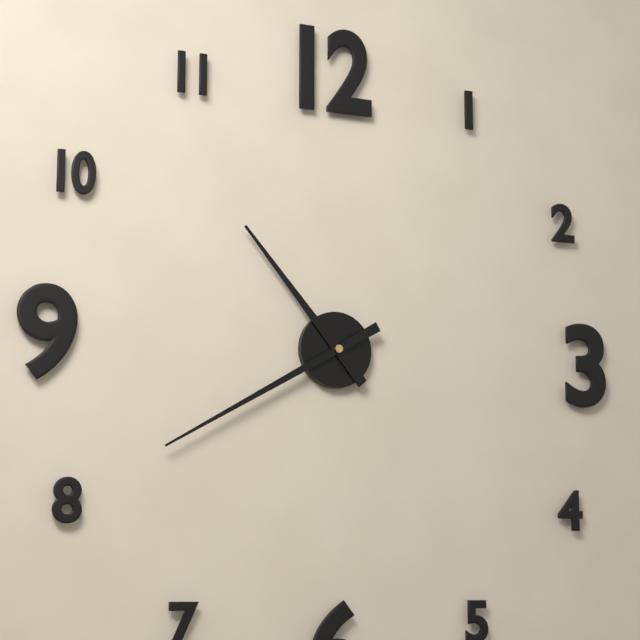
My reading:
{"hour": 10, "minute": 40}
